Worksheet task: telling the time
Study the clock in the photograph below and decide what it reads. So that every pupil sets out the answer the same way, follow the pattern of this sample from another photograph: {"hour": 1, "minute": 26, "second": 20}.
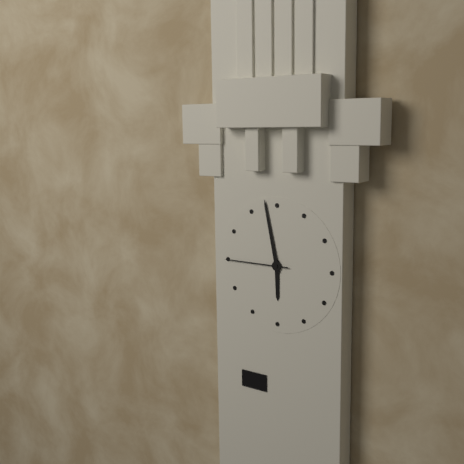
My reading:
{"hour": 5, "minute": 58, "second": 45}
